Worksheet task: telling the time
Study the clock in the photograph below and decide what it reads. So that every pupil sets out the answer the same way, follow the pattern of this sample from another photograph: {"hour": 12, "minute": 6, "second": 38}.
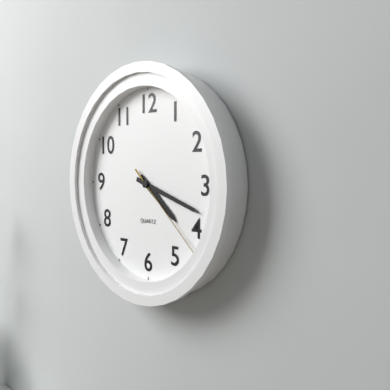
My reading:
{"hour": 4, "minute": 18, "second": 22}
